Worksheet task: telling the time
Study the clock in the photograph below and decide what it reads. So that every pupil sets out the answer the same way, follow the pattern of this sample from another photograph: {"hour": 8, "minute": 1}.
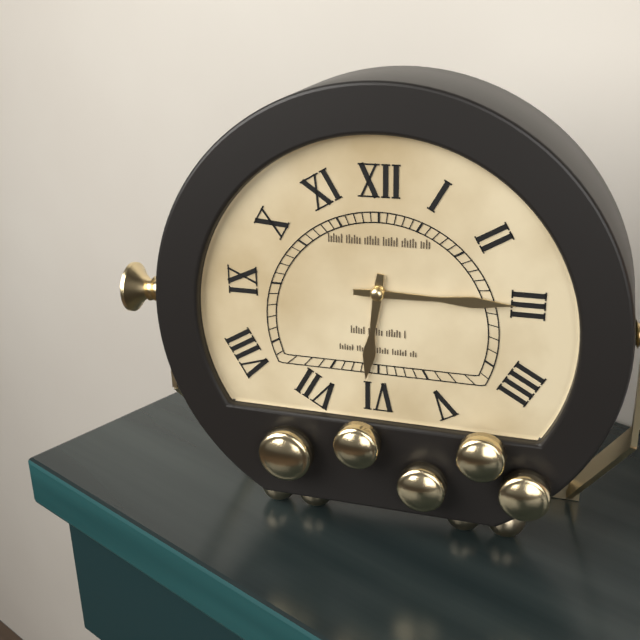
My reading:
{"hour": 6, "minute": 15}
